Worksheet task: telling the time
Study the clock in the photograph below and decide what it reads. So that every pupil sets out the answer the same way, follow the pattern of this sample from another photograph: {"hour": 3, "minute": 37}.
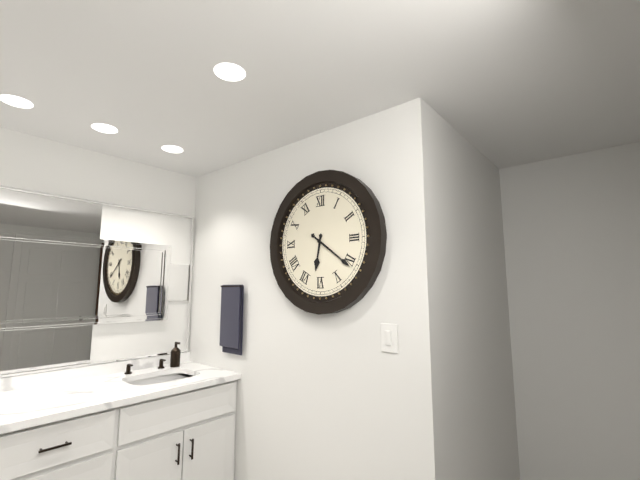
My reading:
{"hour": 6, "minute": 21}
